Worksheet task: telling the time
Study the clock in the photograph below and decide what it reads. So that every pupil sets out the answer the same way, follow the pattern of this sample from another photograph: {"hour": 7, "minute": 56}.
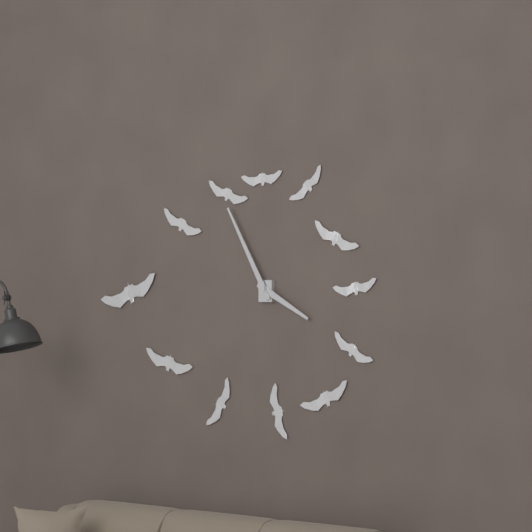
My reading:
{"hour": 3, "minute": 55}
